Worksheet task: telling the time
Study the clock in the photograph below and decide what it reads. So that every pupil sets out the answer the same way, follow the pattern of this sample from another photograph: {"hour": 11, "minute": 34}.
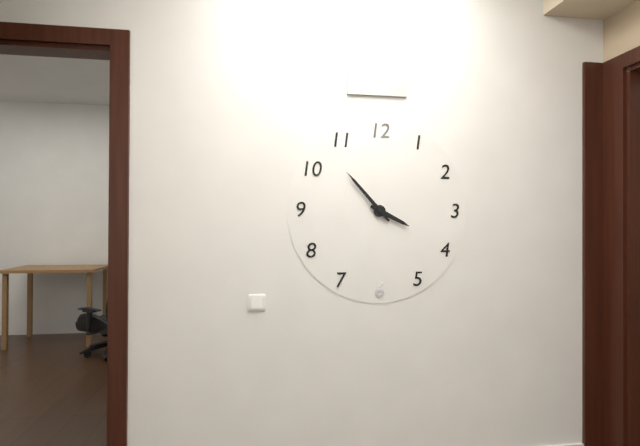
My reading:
{"hour": 3, "minute": 53}
